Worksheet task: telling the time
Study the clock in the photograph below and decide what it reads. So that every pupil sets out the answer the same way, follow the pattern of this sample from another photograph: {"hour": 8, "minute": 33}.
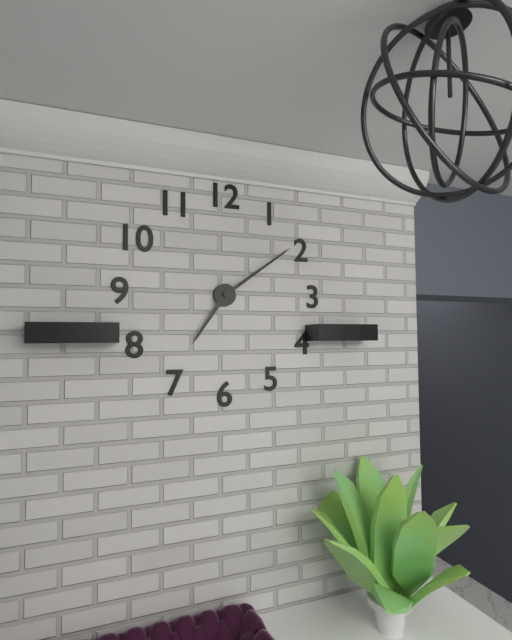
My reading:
{"hour": 7, "minute": 9}
